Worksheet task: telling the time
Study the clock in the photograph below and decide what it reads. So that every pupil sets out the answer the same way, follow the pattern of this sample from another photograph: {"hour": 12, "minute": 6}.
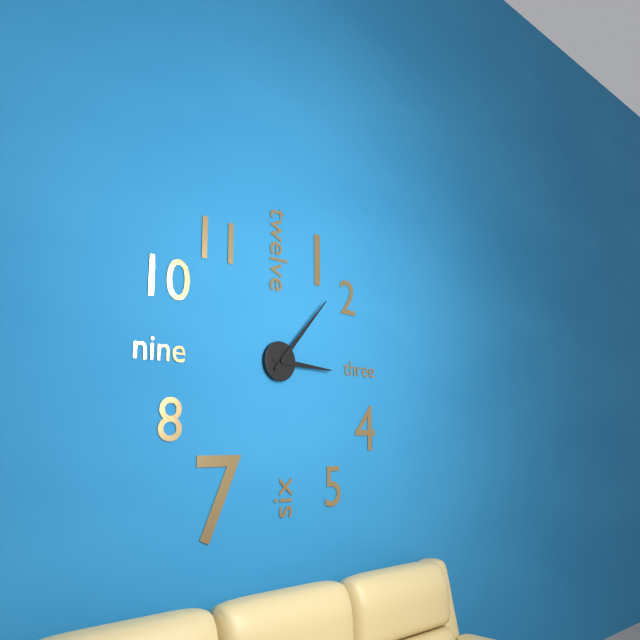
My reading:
{"hour": 3, "minute": 7}
